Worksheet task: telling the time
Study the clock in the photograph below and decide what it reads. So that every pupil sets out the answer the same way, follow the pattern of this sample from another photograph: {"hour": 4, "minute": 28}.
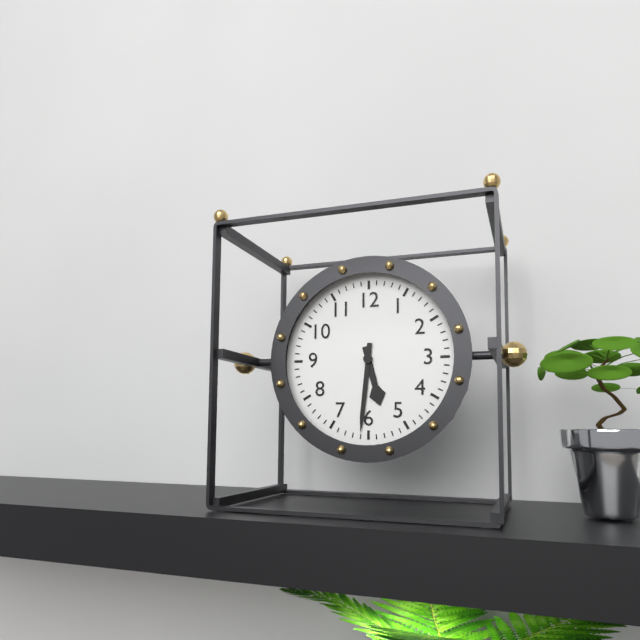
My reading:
{"hour": 5, "minute": 31}
